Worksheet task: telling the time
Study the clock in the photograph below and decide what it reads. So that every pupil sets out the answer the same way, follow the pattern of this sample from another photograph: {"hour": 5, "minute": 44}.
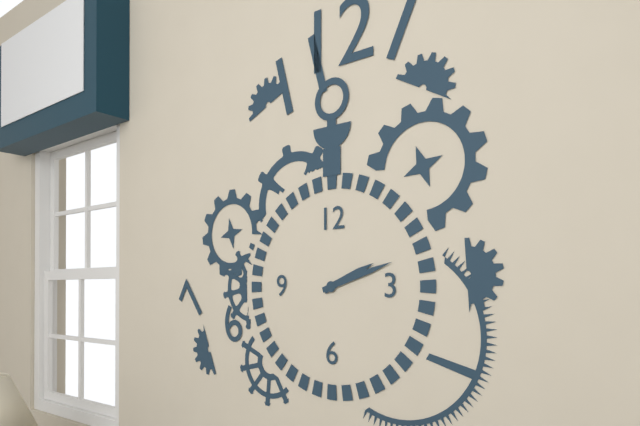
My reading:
{"hour": 2, "minute": 12}
